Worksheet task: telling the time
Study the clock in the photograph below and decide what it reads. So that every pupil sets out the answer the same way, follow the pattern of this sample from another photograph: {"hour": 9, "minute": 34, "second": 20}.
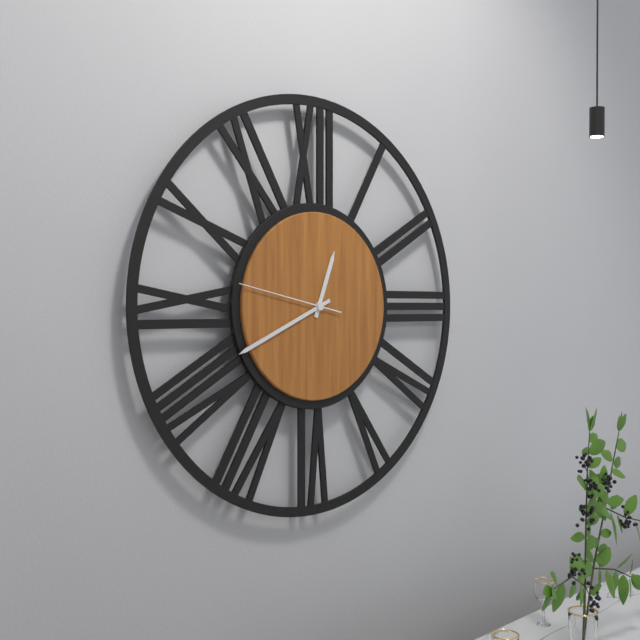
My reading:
{"hour": 12, "minute": 41, "second": 47}
